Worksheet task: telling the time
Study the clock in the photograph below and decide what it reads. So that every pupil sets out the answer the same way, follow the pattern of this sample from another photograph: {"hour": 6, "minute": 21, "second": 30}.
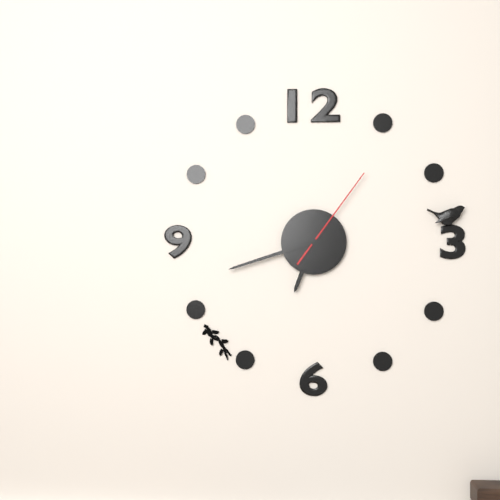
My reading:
{"hour": 6, "minute": 42, "second": 6}
